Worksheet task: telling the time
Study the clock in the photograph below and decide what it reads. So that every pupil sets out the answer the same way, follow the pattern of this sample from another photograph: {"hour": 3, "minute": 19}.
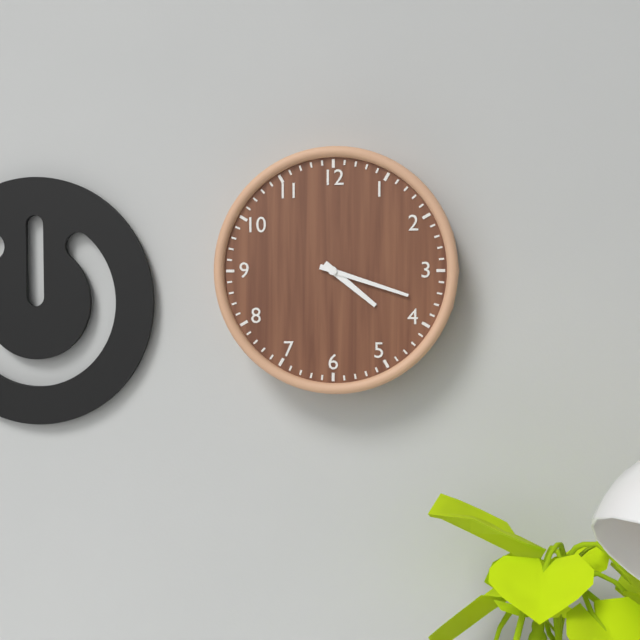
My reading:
{"hour": 4, "minute": 18}
